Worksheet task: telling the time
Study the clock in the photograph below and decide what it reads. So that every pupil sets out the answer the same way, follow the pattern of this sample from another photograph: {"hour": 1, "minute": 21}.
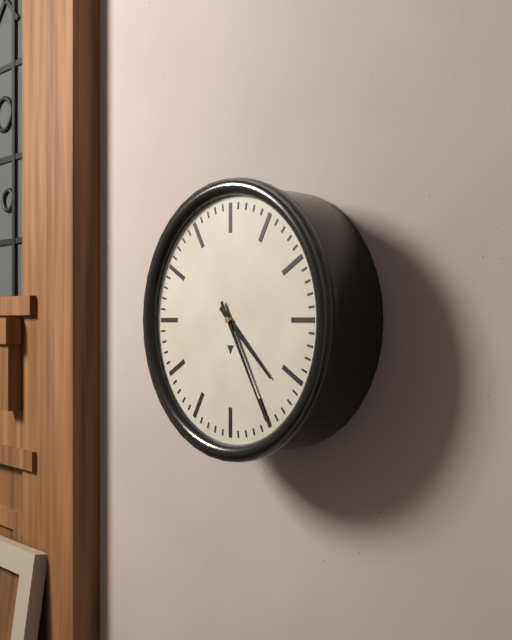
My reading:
{"hour": 4, "minute": 25}
